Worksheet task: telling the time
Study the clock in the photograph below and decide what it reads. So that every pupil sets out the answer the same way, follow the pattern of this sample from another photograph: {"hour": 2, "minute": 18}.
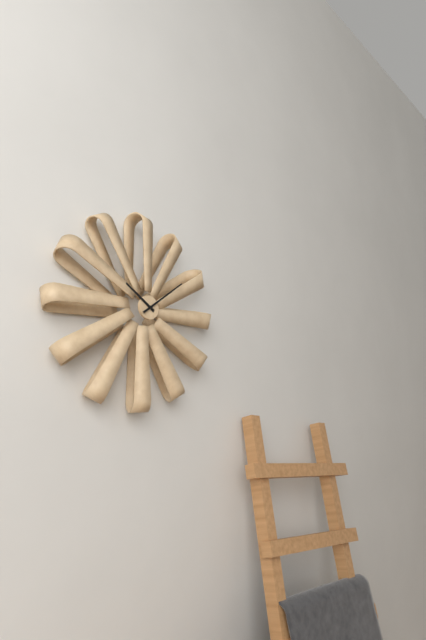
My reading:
{"hour": 10, "minute": 9}
